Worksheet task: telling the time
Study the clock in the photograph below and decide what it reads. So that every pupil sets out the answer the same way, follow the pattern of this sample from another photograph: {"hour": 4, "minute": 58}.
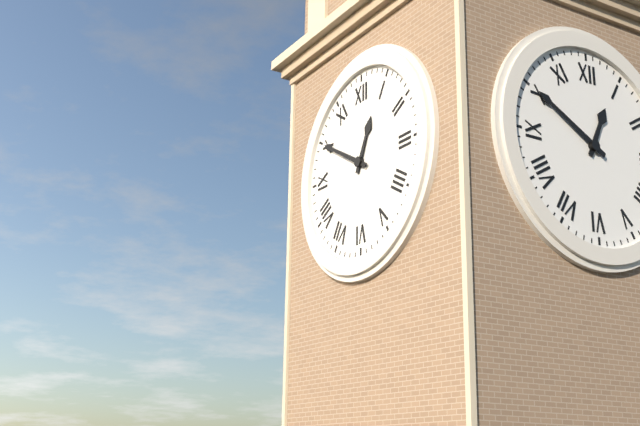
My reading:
{"hour": 12, "minute": 50}
